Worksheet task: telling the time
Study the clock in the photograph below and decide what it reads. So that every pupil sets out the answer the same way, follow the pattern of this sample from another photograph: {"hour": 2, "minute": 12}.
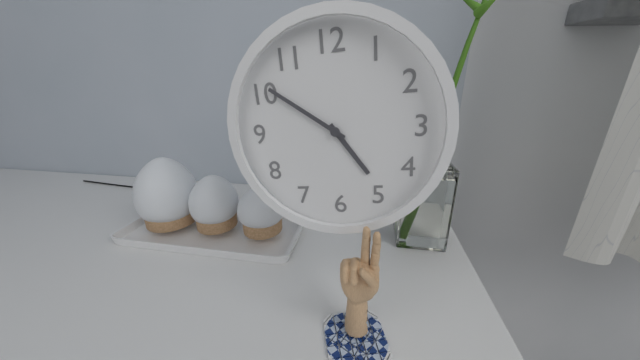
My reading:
{"hour": 4, "minute": 51}
